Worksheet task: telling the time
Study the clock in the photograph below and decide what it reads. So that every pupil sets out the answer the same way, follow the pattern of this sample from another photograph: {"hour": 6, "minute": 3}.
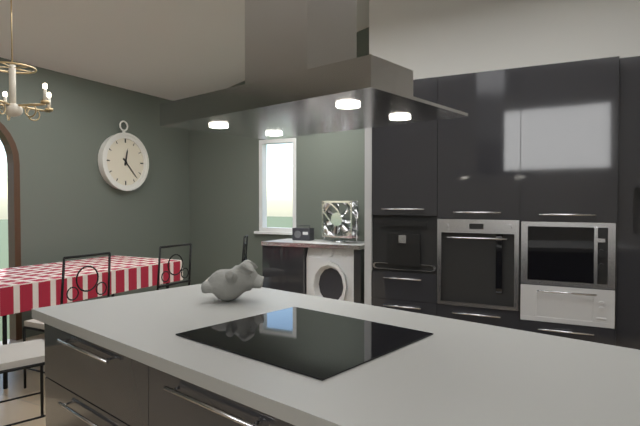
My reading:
{"hour": 12, "minute": 23}
